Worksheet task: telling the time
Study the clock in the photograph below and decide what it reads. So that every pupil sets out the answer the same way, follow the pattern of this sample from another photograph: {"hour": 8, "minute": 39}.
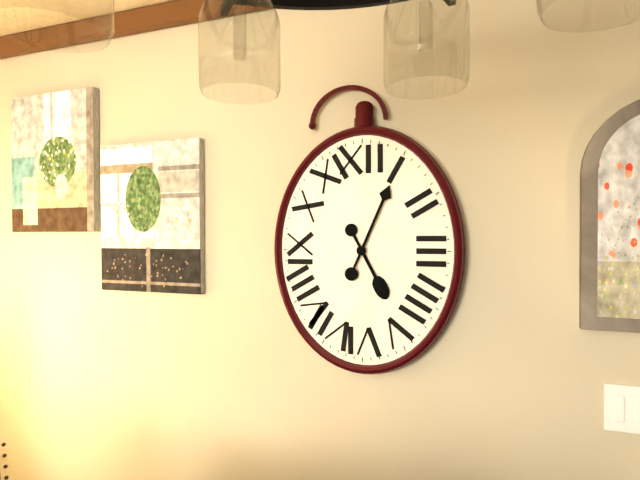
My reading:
{"hour": 5, "minute": 4}
